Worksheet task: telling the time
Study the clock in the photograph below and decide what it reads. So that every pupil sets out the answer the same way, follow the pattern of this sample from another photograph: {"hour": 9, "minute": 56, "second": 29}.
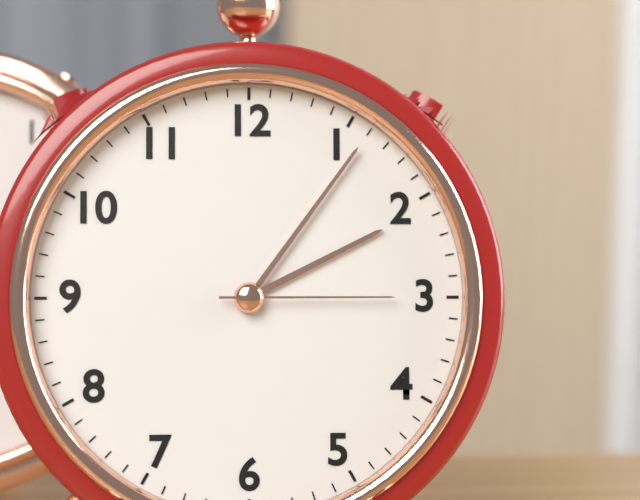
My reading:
{"hour": 2, "minute": 6, "second": 15}
